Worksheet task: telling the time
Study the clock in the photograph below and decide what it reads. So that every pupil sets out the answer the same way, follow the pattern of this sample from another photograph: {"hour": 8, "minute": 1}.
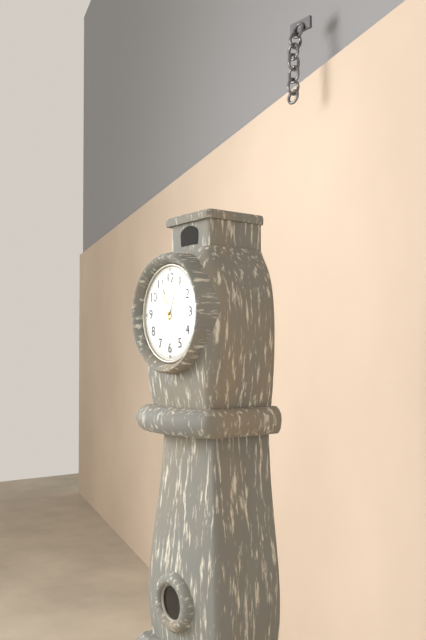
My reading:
{"hour": 11, "minute": 3}
